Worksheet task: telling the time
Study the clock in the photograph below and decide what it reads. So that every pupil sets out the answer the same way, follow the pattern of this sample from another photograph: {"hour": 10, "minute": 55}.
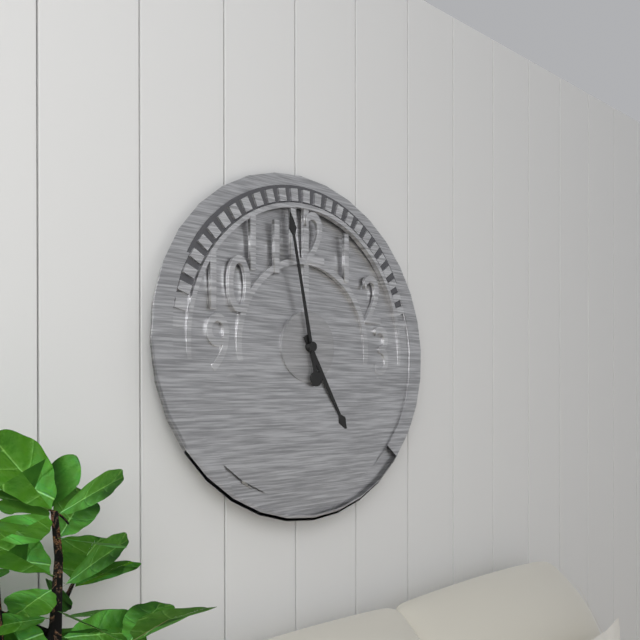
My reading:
{"hour": 4, "minute": 58}
